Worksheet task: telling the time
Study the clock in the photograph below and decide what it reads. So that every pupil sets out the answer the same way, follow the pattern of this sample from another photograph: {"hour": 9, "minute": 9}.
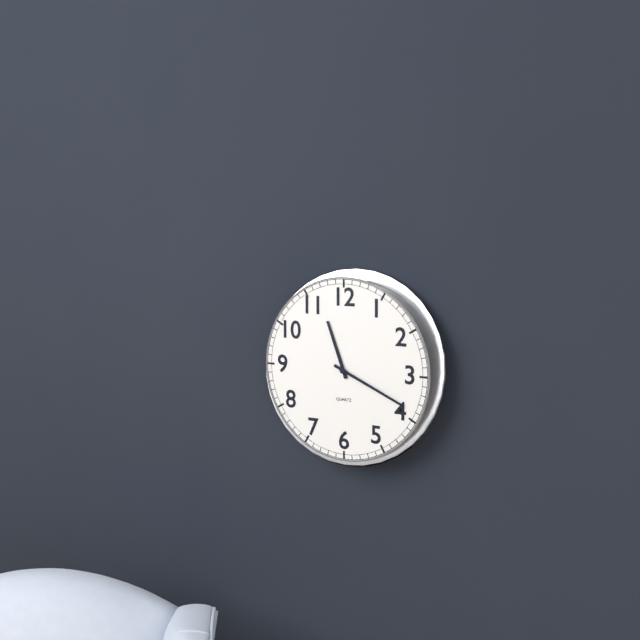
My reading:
{"hour": 11, "minute": 19}
